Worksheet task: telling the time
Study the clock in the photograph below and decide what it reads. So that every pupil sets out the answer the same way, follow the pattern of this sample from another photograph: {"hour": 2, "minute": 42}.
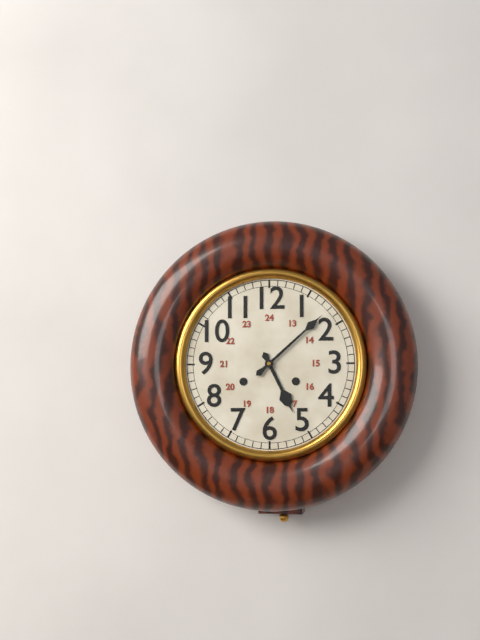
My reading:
{"hour": 5, "minute": 8}
